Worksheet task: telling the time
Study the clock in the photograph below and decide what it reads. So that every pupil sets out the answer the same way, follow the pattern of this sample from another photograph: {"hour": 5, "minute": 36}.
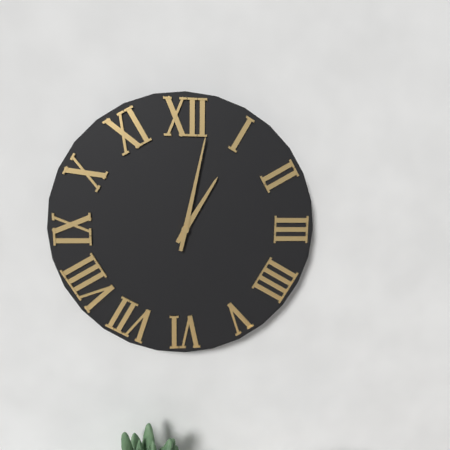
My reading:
{"hour": 1, "minute": 2}
